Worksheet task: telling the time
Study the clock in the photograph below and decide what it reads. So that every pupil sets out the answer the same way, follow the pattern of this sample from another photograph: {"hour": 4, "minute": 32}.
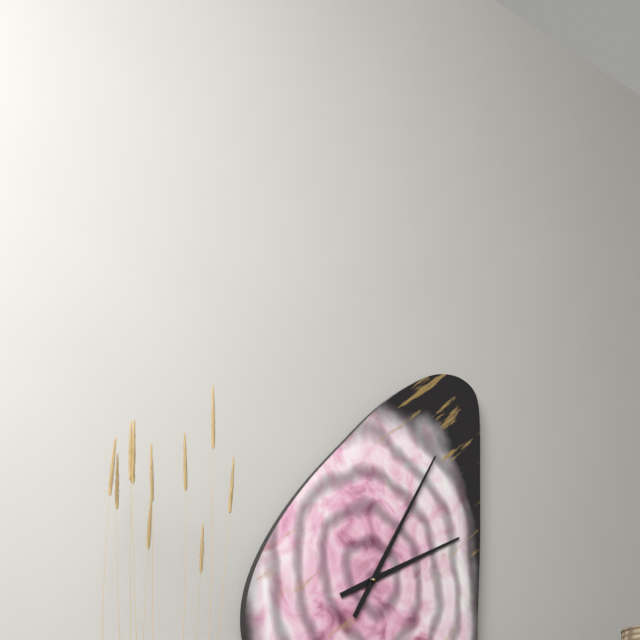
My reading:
{"hour": 2, "minute": 5}
